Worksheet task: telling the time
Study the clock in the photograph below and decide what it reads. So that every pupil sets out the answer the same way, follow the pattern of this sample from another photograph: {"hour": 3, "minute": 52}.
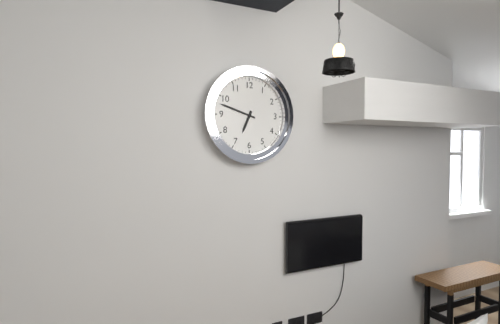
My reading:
{"hour": 6, "minute": 48}
